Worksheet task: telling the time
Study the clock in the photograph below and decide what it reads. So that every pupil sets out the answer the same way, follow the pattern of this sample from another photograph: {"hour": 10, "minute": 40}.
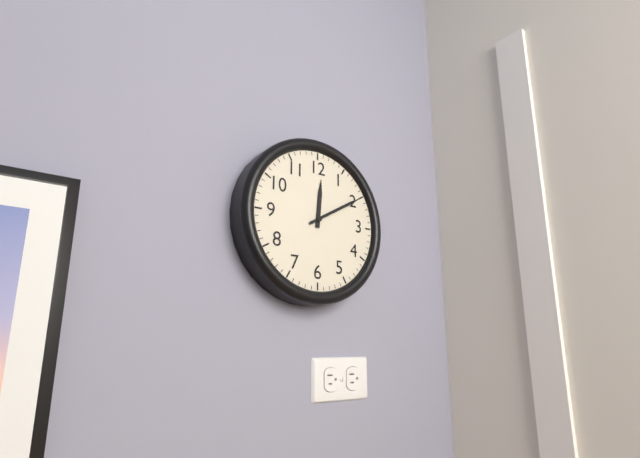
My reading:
{"hour": 12, "minute": 10}
